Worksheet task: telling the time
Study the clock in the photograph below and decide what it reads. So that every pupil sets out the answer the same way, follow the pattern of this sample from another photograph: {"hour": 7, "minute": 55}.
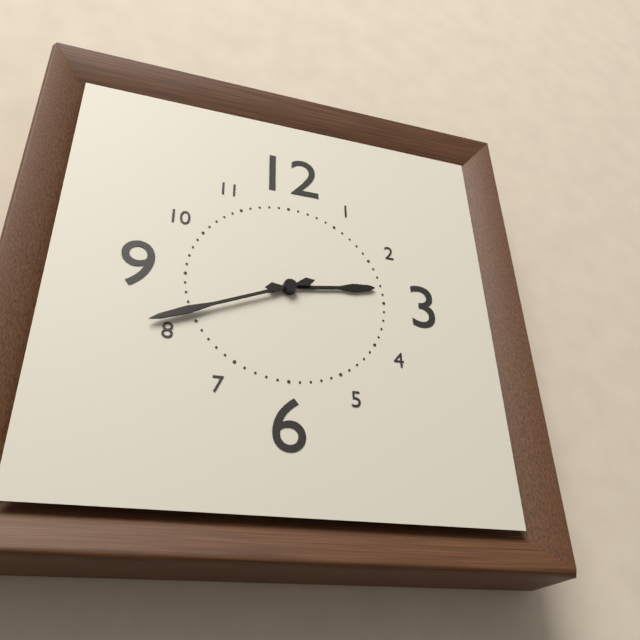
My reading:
{"hour": 2, "minute": 41}
